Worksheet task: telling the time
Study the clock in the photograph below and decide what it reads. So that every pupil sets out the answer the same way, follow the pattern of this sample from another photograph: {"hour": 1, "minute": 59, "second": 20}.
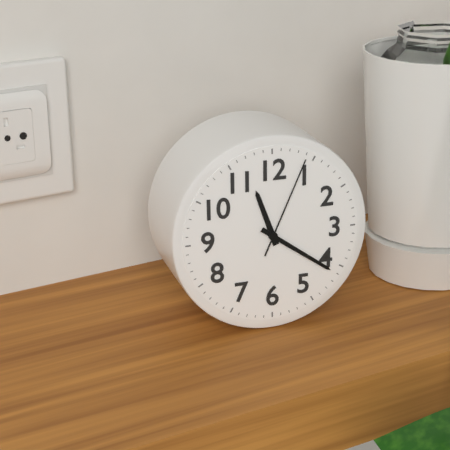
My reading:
{"hour": 11, "minute": 21, "second": 4}
